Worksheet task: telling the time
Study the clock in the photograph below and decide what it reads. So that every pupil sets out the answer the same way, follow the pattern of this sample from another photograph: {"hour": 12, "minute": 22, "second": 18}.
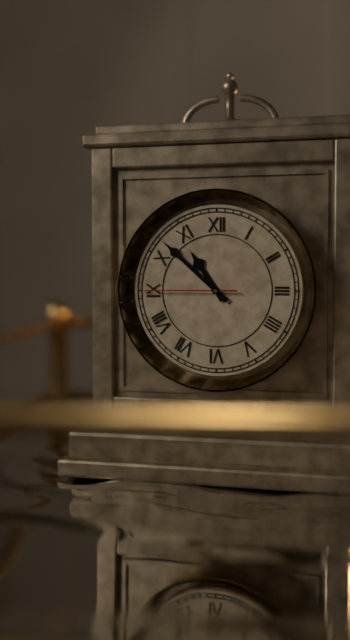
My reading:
{"hour": 10, "minute": 52, "second": 45}
